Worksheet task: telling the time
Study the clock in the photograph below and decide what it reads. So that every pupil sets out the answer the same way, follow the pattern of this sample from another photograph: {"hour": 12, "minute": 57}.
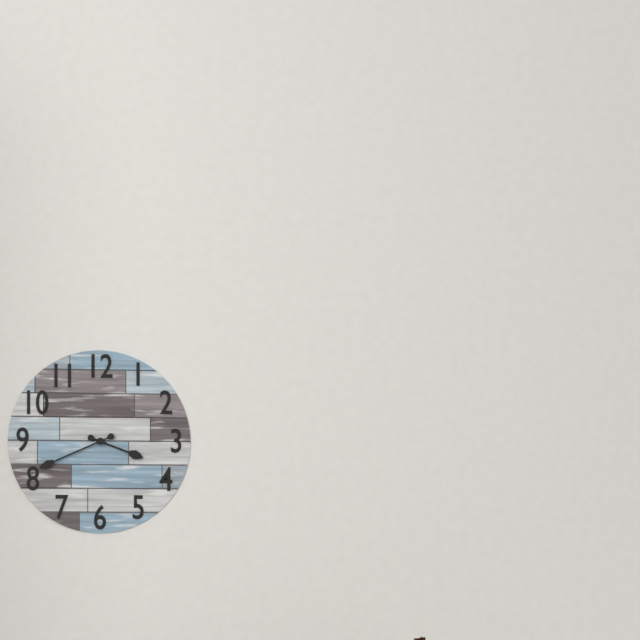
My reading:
{"hour": 3, "minute": 41}
